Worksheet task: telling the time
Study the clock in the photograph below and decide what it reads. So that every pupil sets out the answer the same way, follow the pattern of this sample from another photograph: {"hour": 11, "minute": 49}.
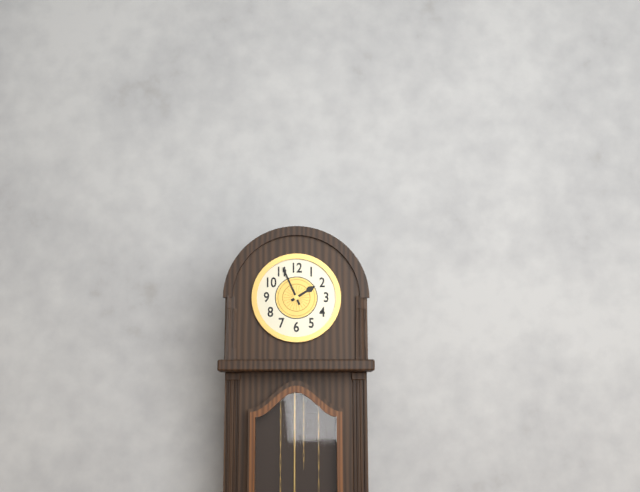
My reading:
{"hour": 1, "minute": 56}
